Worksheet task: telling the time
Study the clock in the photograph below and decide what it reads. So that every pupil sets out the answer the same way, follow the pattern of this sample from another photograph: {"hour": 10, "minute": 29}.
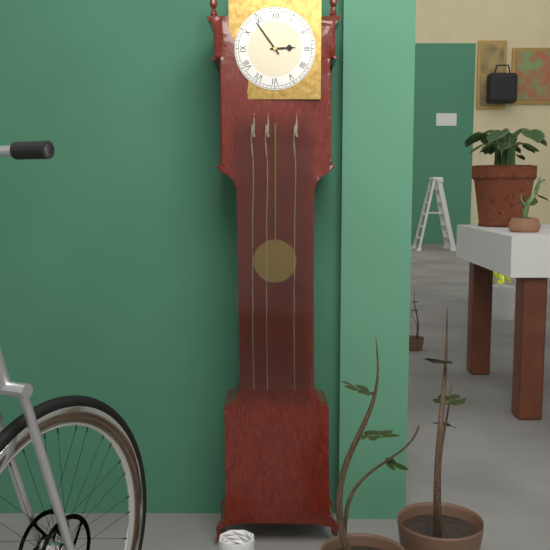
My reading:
{"hour": 2, "minute": 54}
